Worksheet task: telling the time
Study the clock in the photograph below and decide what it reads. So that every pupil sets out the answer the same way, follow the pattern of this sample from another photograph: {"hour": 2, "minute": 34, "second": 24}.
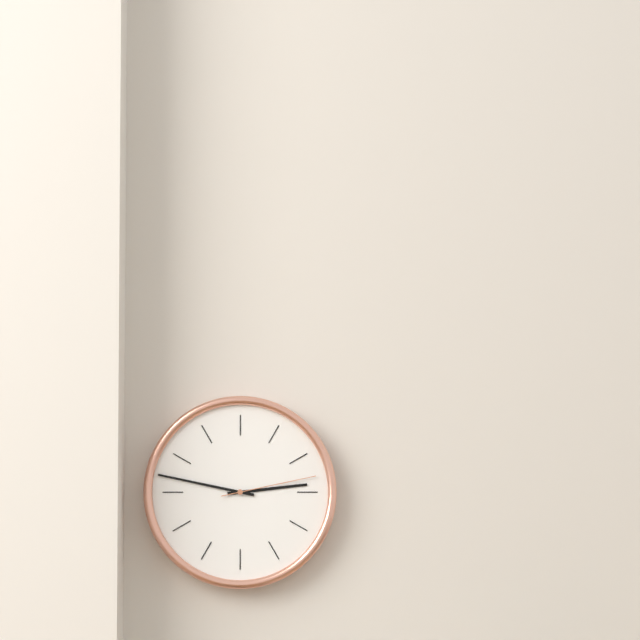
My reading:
{"hour": 2, "minute": 47, "second": 13}
